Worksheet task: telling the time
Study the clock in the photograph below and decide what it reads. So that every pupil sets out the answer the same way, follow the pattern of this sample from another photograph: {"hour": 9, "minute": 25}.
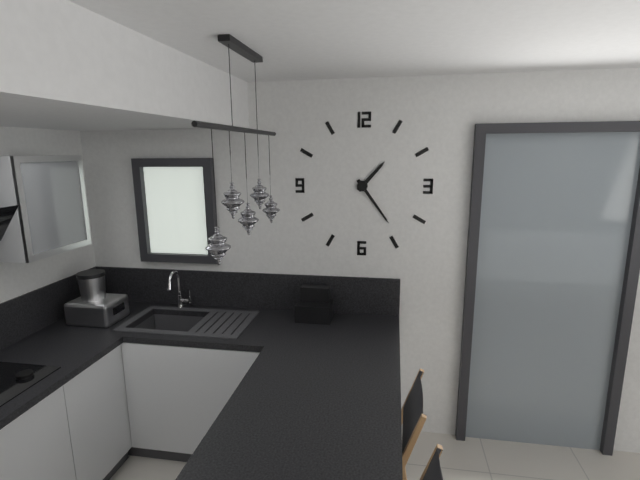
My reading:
{"hour": 1, "minute": 24}
